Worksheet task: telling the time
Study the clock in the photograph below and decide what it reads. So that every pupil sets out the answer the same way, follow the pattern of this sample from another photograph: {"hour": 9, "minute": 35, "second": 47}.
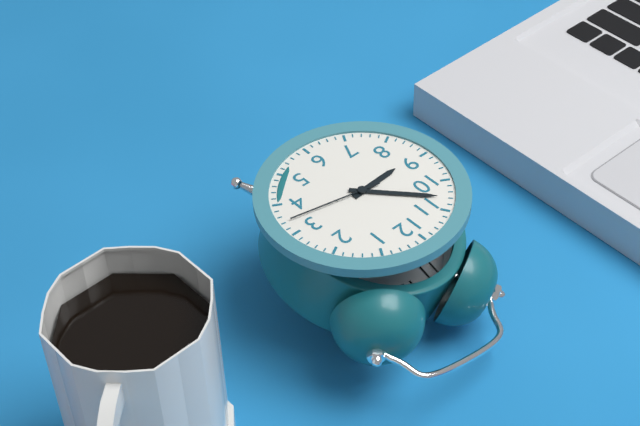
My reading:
{"hour": 8, "minute": 53, "second": 17}
